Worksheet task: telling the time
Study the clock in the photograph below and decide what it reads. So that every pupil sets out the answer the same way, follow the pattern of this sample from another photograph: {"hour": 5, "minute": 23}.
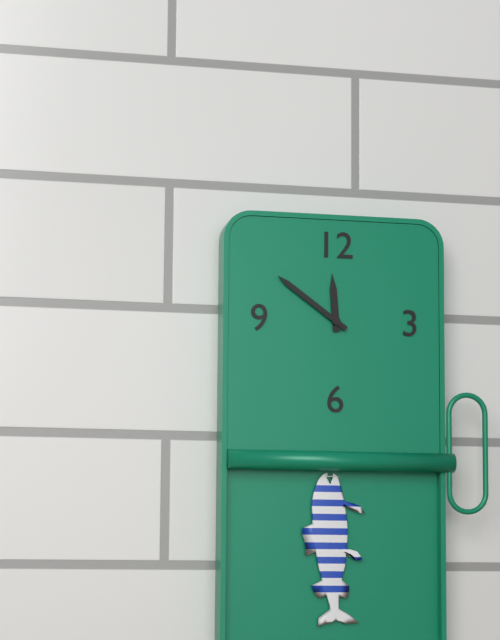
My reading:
{"hour": 11, "minute": 51}
